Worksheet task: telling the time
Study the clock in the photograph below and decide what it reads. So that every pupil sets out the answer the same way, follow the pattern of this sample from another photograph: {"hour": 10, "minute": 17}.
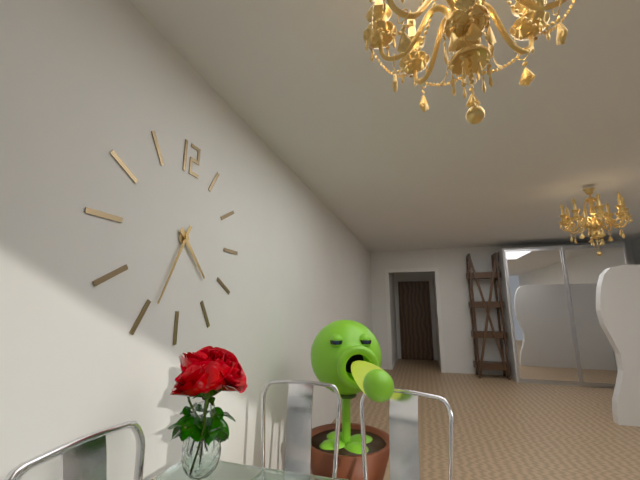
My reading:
{"hour": 4, "minute": 34}
